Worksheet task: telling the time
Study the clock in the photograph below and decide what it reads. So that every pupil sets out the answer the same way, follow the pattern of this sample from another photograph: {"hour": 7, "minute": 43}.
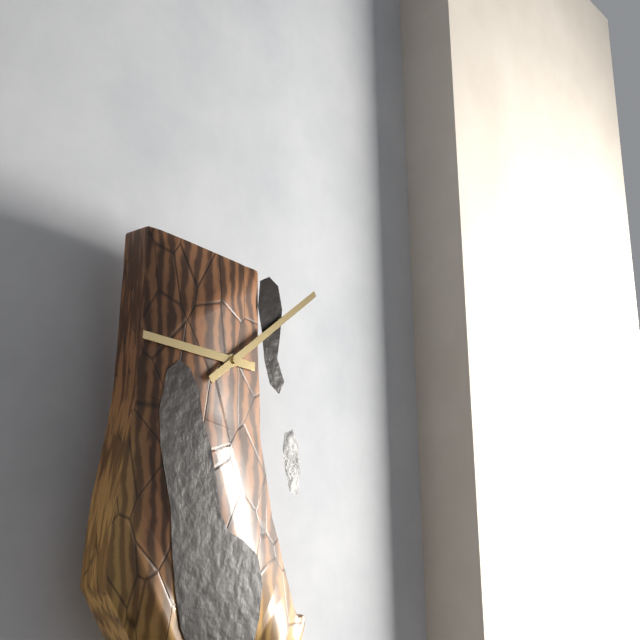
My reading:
{"hour": 9, "minute": 9}
